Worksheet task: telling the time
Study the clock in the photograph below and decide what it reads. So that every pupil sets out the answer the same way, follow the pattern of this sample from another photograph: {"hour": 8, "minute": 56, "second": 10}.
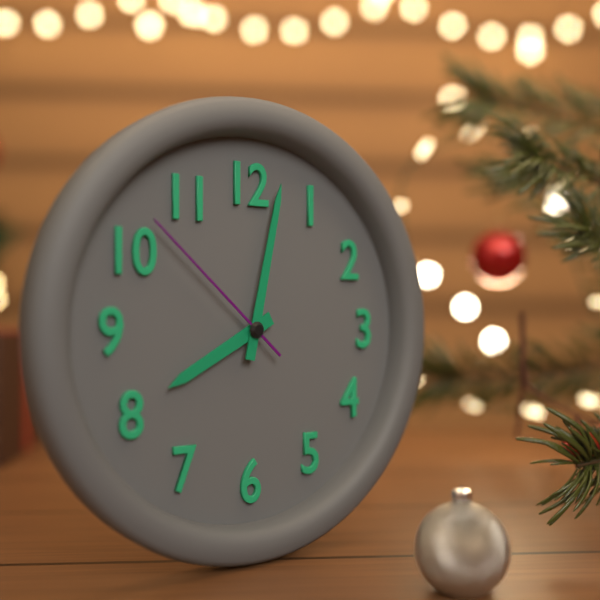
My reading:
{"hour": 8, "minute": 2, "second": 52}
